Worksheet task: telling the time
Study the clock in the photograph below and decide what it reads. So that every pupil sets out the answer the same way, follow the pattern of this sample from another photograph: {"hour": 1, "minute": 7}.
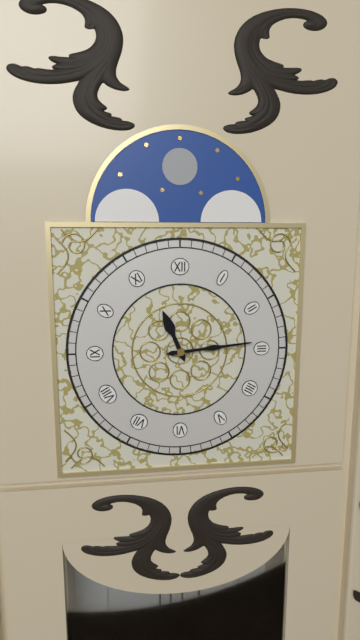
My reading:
{"hour": 11, "minute": 14}
